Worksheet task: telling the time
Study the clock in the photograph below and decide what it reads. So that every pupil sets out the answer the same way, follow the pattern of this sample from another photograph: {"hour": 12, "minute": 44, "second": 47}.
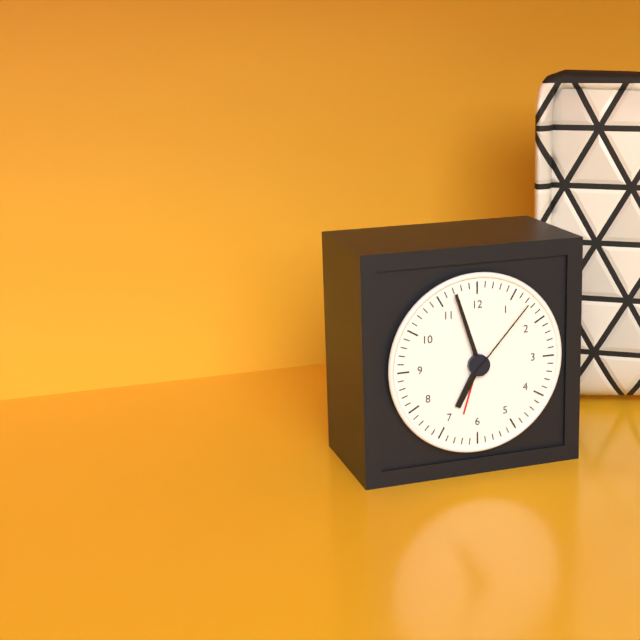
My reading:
{"hour": 6, "minute": 57, "second": 7}
